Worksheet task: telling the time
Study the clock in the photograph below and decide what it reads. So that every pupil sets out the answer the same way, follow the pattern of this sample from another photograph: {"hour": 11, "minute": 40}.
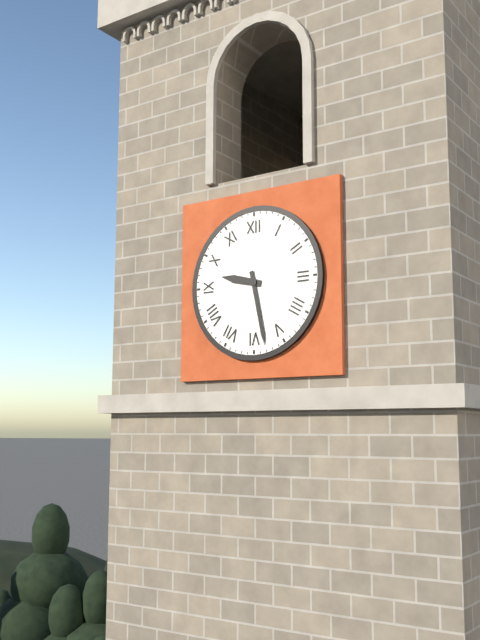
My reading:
{"hour": 9, "minute": 28}
